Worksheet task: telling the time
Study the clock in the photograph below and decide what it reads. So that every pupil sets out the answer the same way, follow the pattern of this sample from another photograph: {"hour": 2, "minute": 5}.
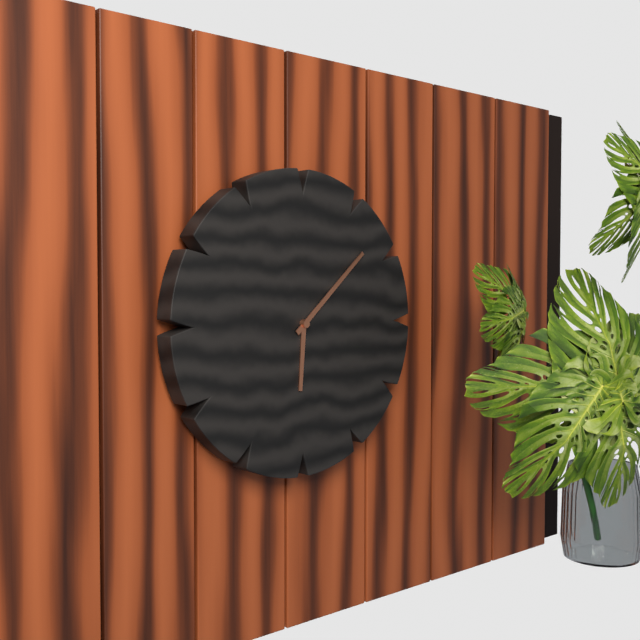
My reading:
{"hour": 6, "minute": 8}
